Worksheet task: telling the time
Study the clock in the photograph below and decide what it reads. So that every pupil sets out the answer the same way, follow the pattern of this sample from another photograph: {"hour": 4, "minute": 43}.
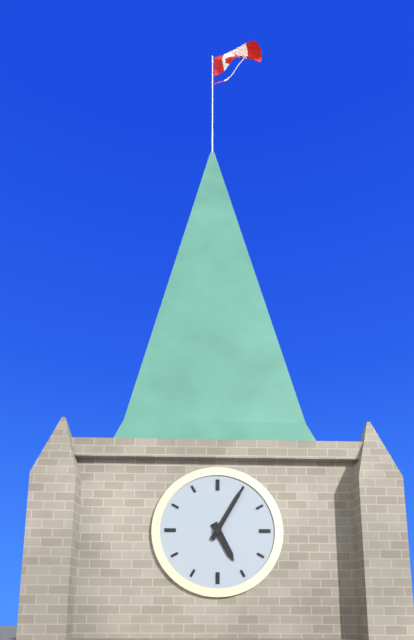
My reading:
{"hour": 5, "minute": 5}
